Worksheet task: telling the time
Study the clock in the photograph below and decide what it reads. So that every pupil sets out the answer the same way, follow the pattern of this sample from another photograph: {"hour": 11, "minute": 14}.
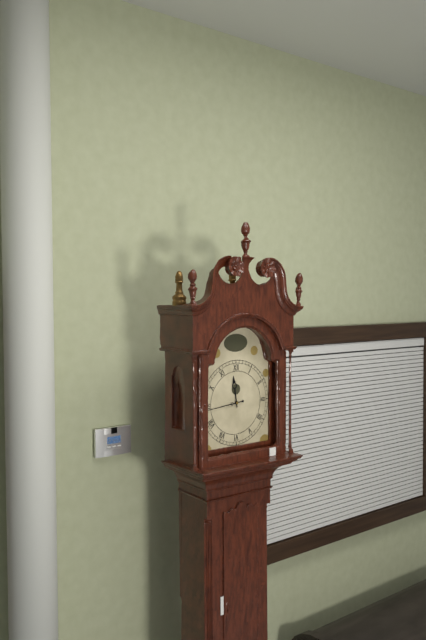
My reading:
{"hour": 11, "minute": 44}
